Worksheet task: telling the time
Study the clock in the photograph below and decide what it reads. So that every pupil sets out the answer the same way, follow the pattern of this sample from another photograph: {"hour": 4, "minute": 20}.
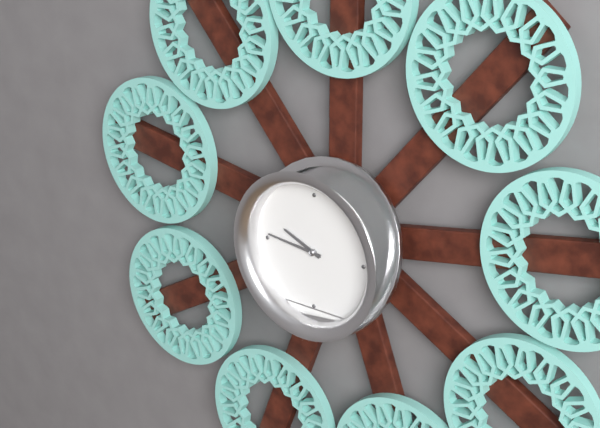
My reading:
{"hour": 9, "minute": 46}
